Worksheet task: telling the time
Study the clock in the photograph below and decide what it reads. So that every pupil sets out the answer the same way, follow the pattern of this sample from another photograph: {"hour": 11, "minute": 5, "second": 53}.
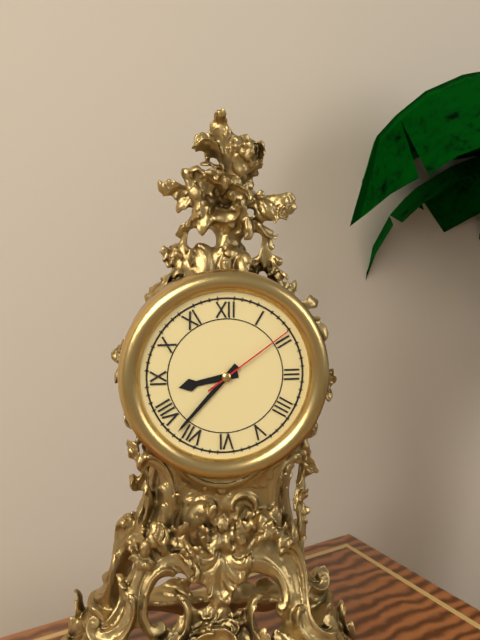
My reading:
{"hour": 8, "minute": 37, "second": 9}
